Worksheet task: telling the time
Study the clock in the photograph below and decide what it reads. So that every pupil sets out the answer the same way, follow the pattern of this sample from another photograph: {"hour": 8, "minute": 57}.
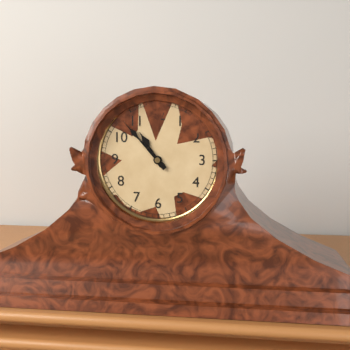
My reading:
{"hour": 10, "minute": 53}
